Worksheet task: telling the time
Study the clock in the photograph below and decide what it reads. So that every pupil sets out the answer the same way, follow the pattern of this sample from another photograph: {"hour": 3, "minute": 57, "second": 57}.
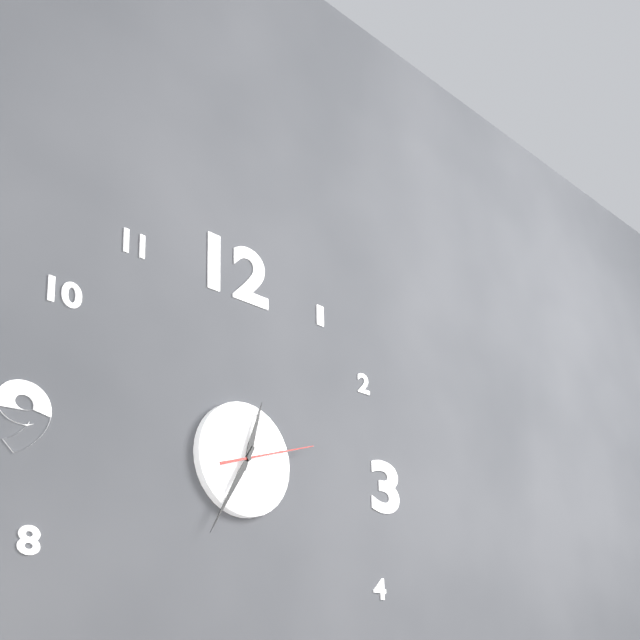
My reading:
{"hour": 12, "minute": 35, "second": 12}
